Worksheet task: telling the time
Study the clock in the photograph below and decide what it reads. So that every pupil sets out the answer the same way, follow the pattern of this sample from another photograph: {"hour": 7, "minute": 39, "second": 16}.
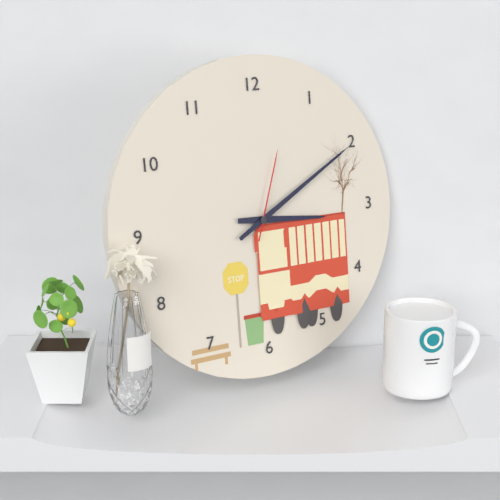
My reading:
{"hour": 3, "minute": 10, "second": 3}
